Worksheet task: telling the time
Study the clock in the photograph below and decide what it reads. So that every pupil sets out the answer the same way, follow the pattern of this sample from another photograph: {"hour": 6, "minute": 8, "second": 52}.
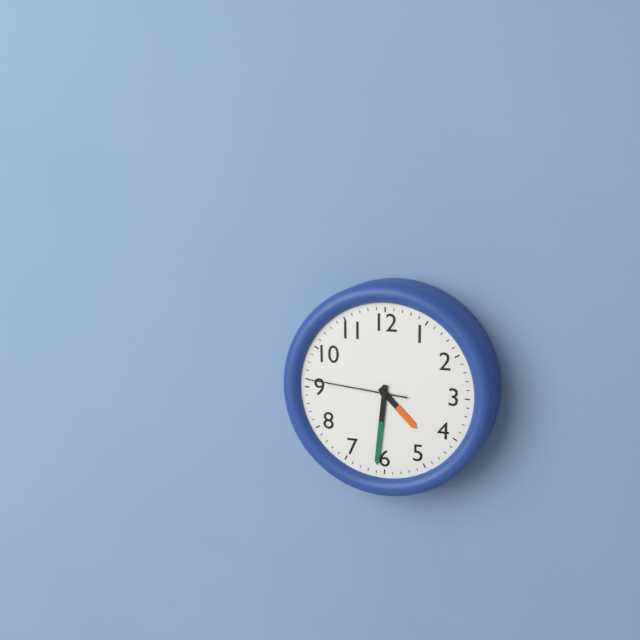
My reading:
{"hour": 4, "minute": 31, "second": 46}
